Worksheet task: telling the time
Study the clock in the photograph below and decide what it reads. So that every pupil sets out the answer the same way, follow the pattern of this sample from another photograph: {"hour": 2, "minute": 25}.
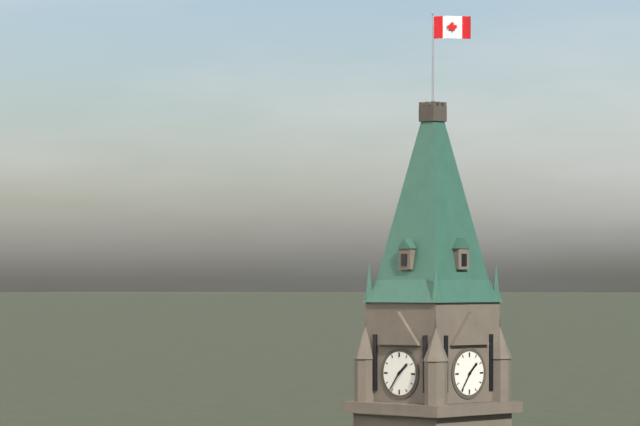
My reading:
{"hour": 1, "minute": 36}
